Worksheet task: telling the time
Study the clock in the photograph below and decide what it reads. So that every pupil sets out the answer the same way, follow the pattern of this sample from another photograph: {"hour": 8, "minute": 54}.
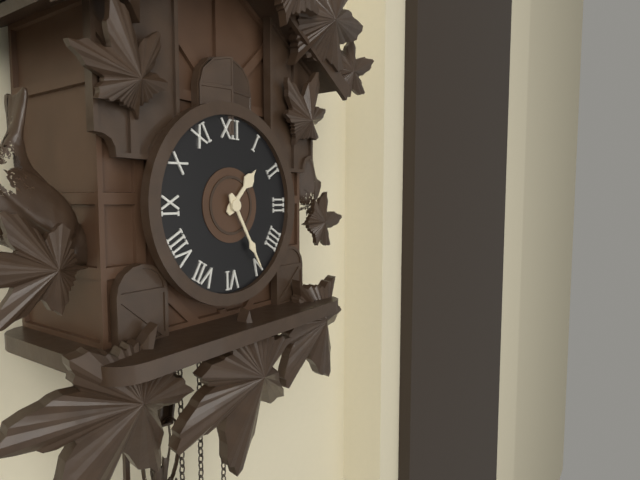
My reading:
{"hour": 1, "minute": 25}
